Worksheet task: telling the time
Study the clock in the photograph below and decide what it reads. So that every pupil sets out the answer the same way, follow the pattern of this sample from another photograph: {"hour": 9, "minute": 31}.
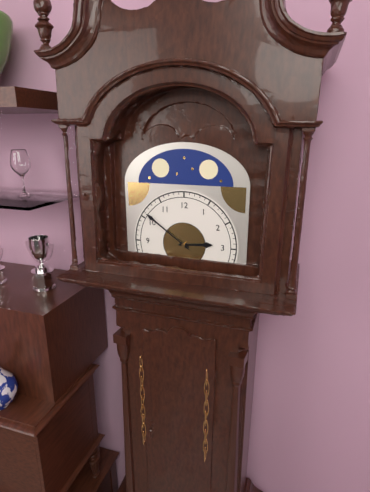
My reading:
{"hour": 2, "minute": 51}
